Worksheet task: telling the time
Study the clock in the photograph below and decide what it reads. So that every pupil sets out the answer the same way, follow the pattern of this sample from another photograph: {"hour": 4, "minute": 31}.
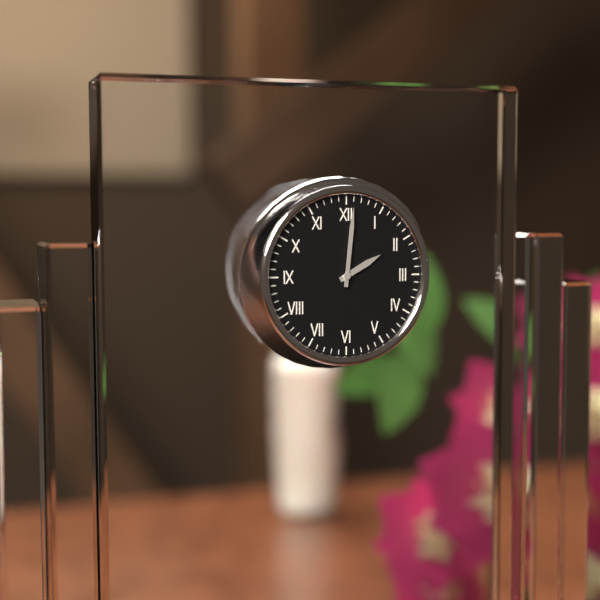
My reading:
{"hour": 2, "minute": 1}
